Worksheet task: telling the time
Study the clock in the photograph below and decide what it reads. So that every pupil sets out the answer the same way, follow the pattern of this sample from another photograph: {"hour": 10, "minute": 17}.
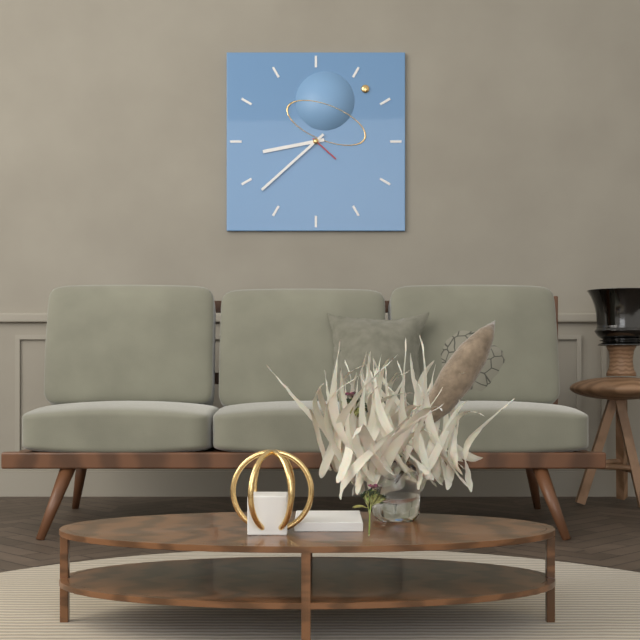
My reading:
{"hour": 8, "minute": 38}
